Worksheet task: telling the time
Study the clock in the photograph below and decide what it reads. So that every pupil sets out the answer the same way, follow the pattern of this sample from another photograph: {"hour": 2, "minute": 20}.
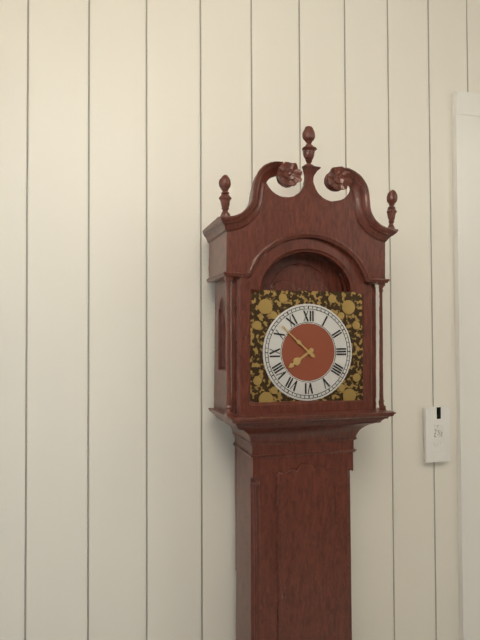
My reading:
{"hour": 7, "minute": 52}
